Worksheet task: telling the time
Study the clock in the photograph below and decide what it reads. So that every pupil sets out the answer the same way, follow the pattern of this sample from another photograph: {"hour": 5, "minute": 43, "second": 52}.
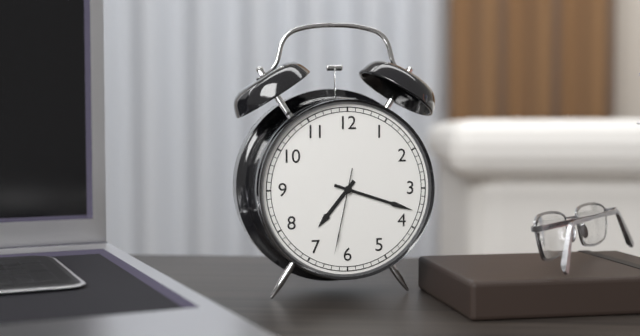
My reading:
{"hour": 7, "minute": 18, "second": 32}
